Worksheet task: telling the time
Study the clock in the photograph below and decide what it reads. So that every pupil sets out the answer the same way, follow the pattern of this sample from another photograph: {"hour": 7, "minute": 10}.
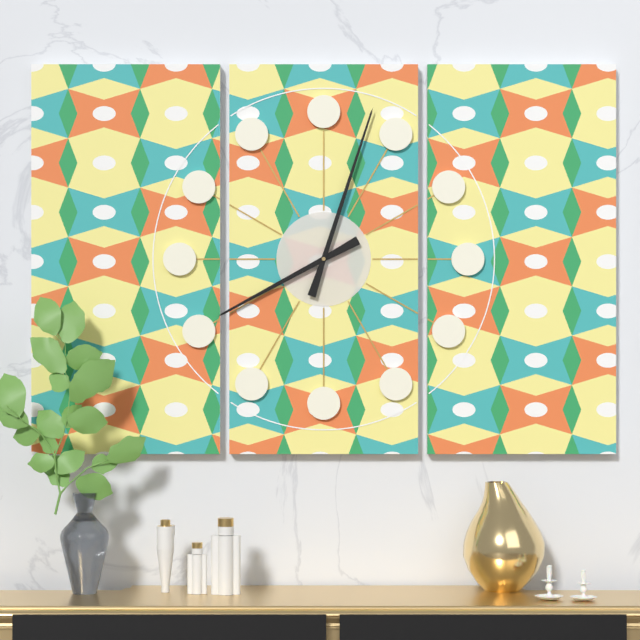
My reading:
{"hour": 8, "minute": 3}
